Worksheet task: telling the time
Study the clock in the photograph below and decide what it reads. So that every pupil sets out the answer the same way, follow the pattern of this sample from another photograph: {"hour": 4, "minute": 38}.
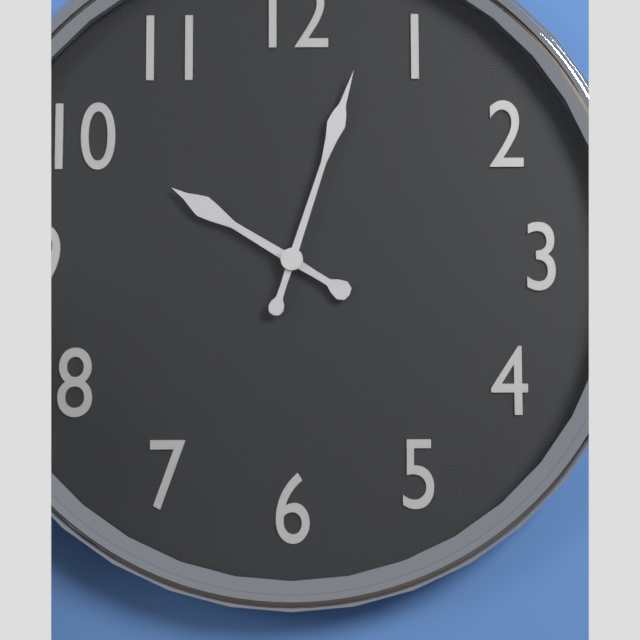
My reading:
{"hour": 10, "minute": 3}
